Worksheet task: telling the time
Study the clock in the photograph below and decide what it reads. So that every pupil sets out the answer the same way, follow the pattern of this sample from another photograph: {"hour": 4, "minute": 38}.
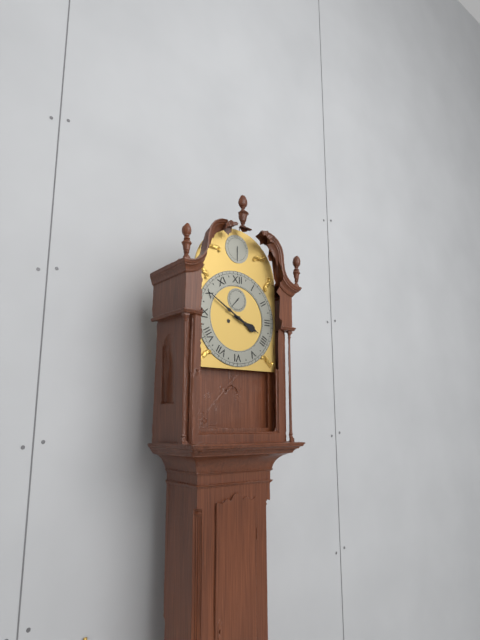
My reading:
{"hour": 3, "minute": 50}
